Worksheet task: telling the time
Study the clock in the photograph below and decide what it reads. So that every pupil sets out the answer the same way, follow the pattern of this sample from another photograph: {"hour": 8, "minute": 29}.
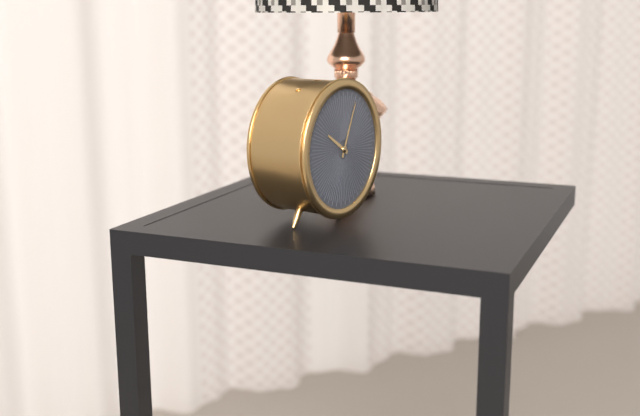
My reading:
{"hour": 10, "minute": 4}
